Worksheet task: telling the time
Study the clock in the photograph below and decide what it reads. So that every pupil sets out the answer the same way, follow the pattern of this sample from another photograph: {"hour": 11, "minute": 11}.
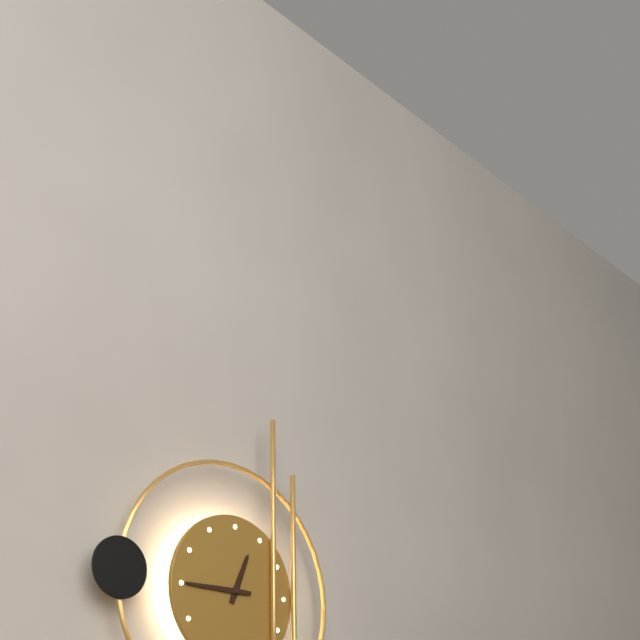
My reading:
{"hour": 12, "minute": 45}
